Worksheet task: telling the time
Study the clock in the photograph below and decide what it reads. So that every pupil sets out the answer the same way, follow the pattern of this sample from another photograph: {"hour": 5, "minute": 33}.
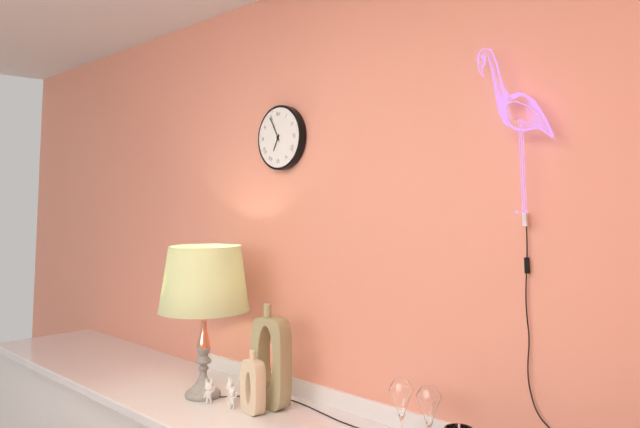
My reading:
{"hour": 6, "minute": 55}
